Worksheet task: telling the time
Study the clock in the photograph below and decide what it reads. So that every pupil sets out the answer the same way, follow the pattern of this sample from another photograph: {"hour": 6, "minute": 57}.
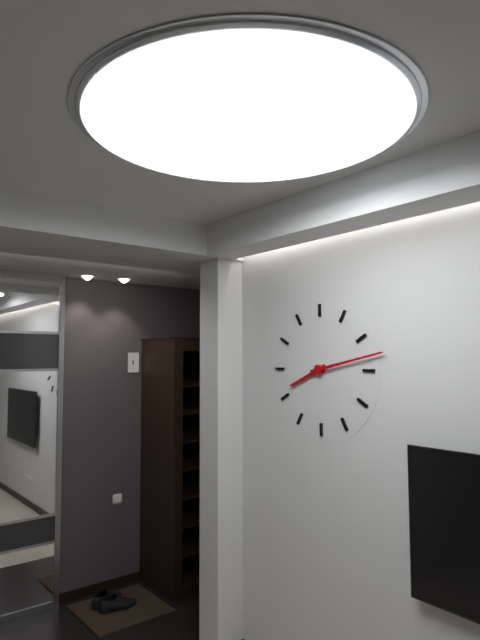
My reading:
{"hour": 8, "minute": 13}
